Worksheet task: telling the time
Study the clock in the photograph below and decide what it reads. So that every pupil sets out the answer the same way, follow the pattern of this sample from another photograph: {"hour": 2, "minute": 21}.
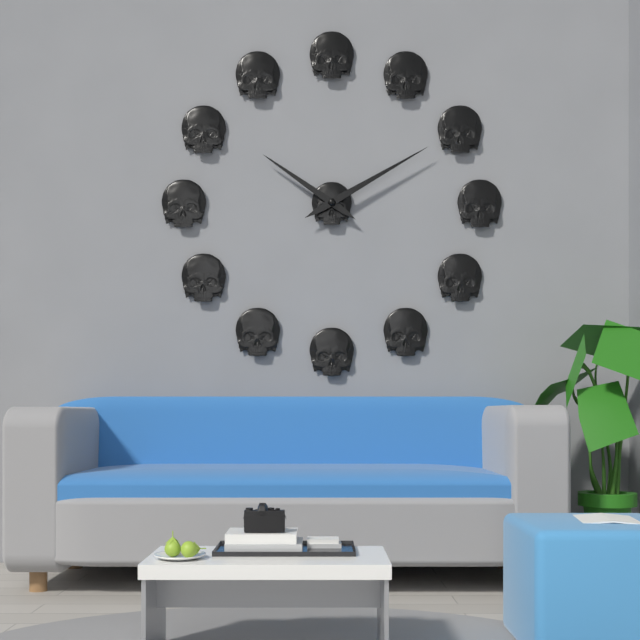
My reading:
{"hour": 10, "minute": 10}
